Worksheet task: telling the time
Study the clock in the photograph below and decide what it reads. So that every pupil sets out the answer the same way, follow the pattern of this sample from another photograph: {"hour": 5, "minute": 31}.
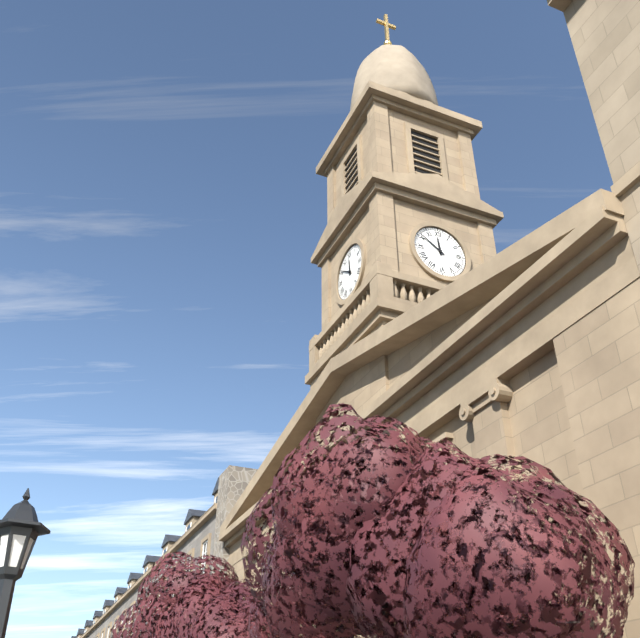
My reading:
{"hour": 11, "minute": 51}
